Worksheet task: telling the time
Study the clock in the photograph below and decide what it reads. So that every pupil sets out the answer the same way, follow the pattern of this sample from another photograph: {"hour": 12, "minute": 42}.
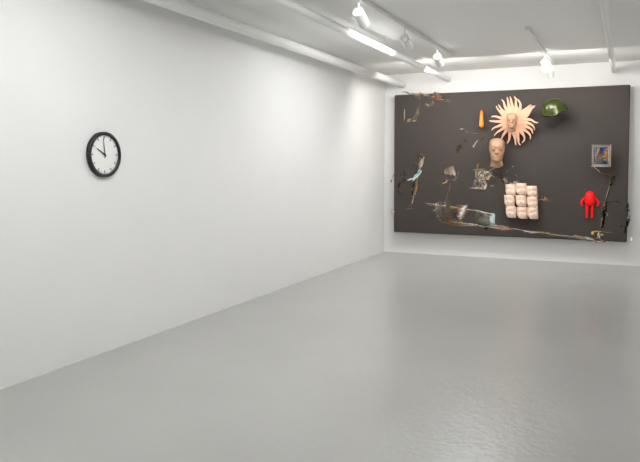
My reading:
{"hour": 9, "minute": 59}
